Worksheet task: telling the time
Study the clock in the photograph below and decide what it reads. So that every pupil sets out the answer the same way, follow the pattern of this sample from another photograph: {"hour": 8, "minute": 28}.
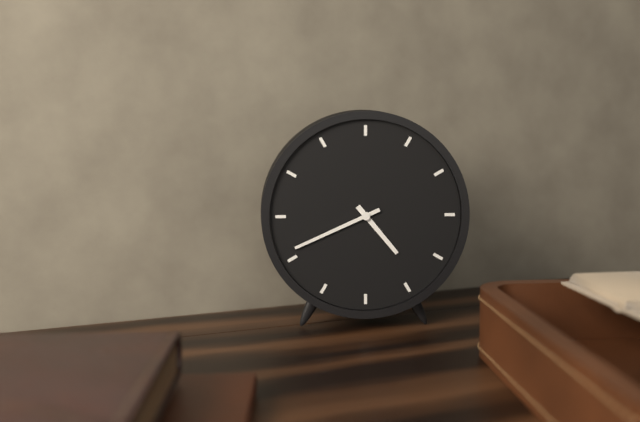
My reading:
{"hour": 4, "minute": 41}
